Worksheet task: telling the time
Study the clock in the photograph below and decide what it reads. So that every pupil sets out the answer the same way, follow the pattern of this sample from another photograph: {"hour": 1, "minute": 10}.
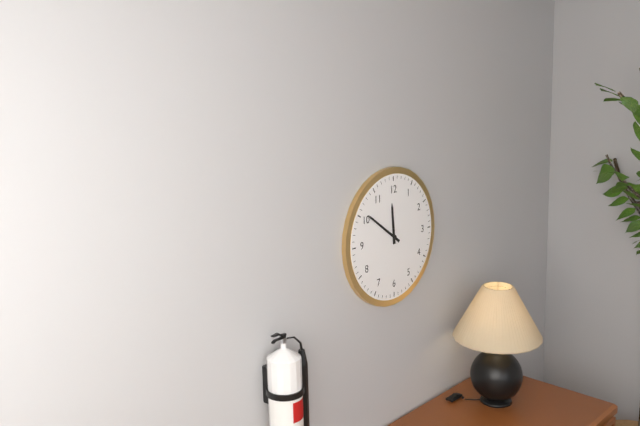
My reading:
{"hour": 11, "minute": 51}
